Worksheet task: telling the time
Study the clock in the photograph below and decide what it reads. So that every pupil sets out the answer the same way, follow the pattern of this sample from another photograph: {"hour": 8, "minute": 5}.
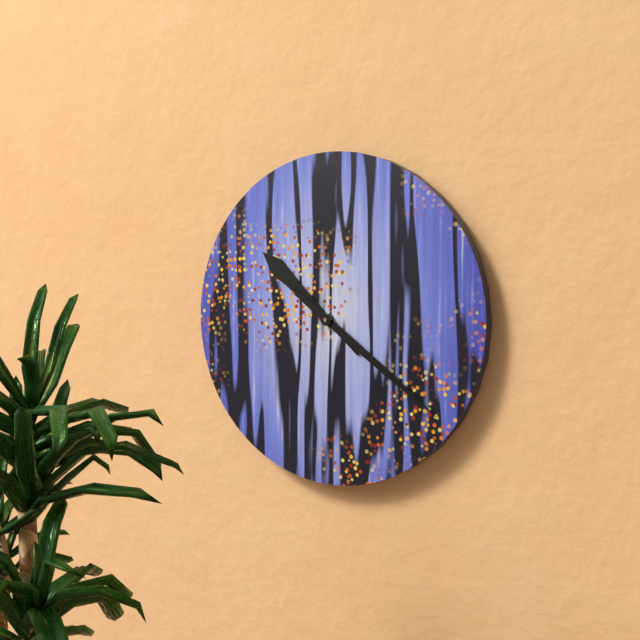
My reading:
{"hour": 10, "minute": 21}
